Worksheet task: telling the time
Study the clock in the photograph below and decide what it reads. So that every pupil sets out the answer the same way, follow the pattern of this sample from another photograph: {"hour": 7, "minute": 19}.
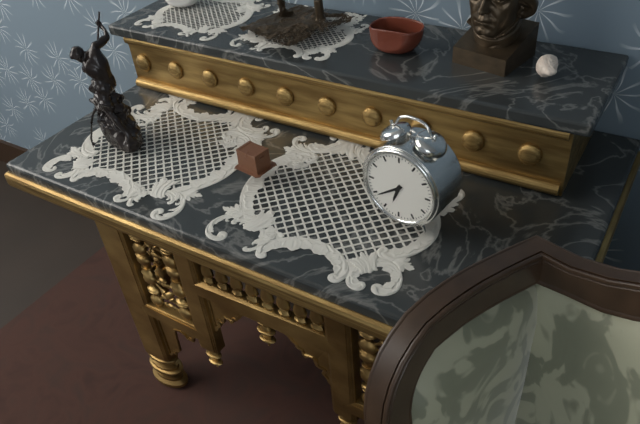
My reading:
{"hour": 6, "minute": 39}
